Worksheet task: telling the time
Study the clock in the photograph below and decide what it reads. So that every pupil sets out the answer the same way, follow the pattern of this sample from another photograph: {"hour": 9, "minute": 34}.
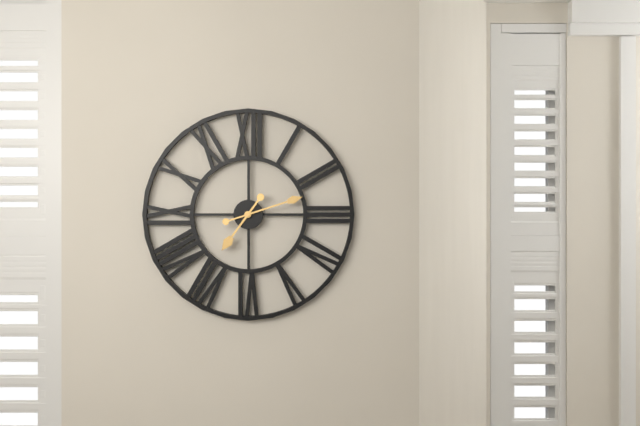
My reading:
{"hour": 7, "minute": 12}
